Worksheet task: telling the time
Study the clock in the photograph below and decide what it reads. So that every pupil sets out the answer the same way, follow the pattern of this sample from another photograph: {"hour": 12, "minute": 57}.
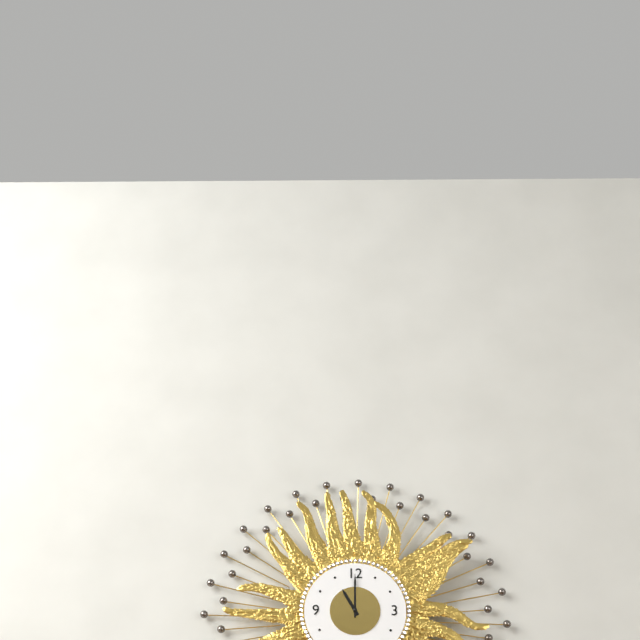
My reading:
{"hour": 11, "minute": 0}
